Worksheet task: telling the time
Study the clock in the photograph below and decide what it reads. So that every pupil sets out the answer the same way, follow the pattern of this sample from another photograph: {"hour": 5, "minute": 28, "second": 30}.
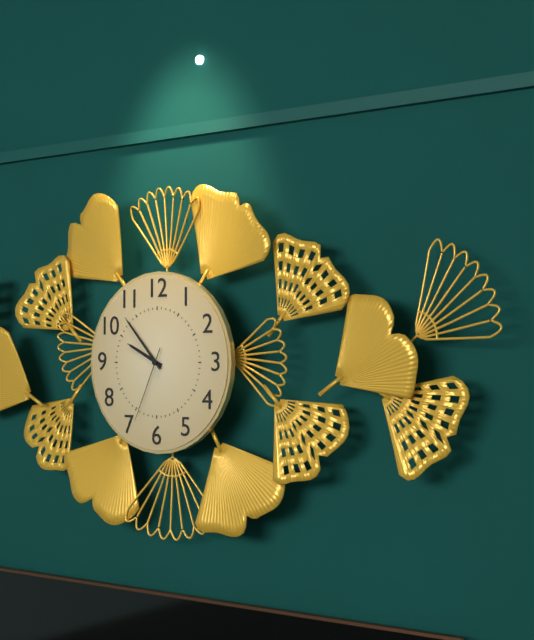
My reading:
{"hour": 9, "minute": 53, "second": 34}
